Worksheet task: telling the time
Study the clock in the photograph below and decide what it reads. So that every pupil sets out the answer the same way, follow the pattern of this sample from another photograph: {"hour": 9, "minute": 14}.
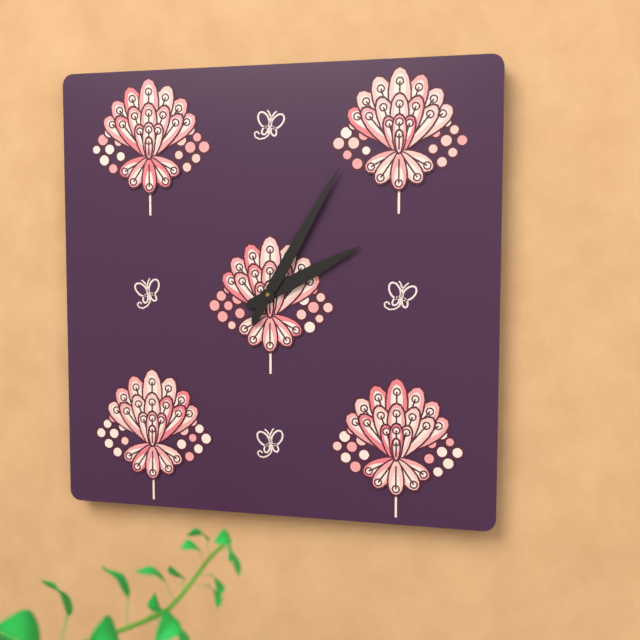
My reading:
{"hour": 2, "minute": 5}
